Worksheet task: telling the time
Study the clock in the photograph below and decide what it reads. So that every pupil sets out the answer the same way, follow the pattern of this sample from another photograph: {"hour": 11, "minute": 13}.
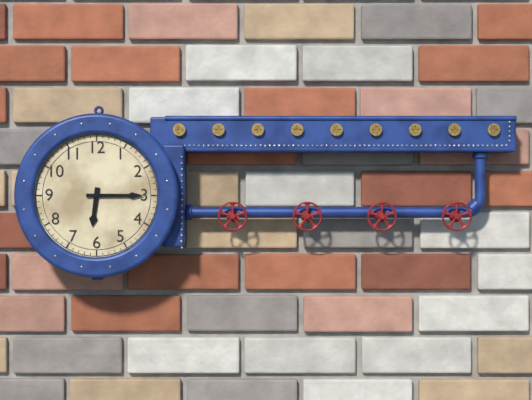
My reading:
{"hour": 6, "minute": 15}
